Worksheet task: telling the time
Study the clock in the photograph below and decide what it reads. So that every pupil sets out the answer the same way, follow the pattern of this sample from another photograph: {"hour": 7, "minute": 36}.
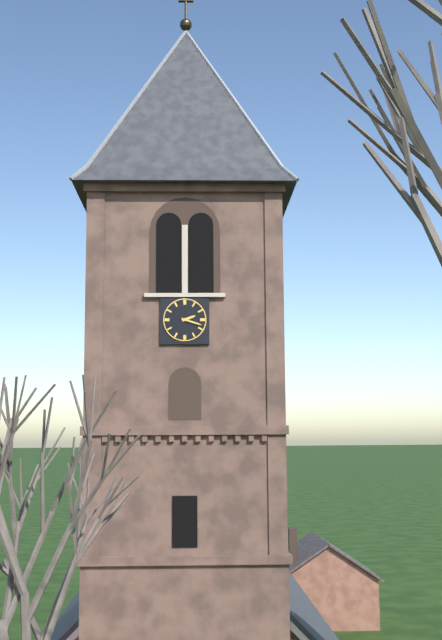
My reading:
{"hour": 2, "minute": 18}
